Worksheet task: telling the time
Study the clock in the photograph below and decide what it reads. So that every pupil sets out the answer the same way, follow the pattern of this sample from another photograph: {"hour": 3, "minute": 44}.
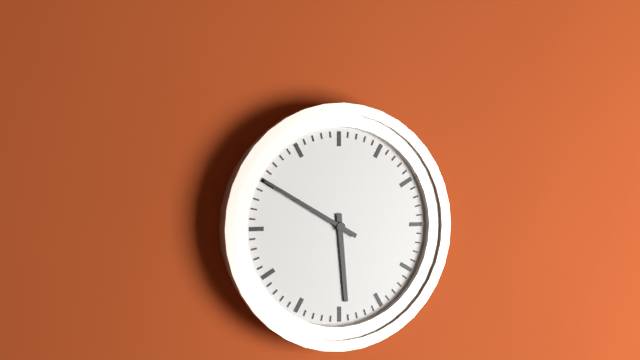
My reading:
{"hour": 5, "minute": 50}
